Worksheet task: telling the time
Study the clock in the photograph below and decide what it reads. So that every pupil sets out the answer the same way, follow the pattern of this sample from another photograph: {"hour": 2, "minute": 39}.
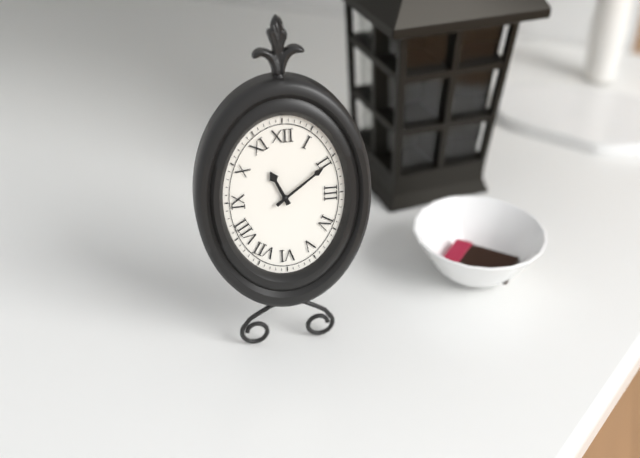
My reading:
{"hour": 11, "minute": 9}
